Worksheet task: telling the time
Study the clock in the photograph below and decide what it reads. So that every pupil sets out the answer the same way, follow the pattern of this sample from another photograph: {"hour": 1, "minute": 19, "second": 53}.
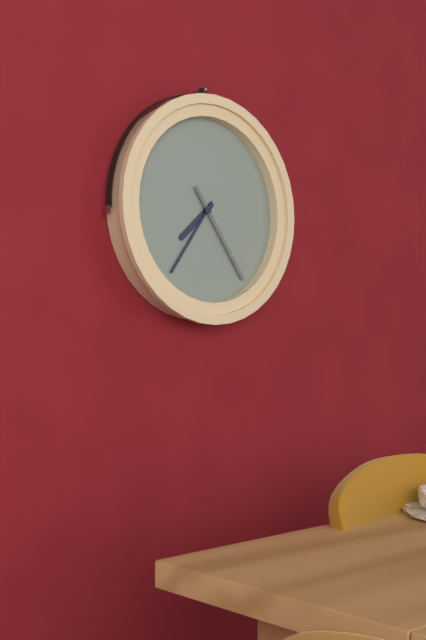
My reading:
{"hour": 7, "minute": 36, "second": 24}
